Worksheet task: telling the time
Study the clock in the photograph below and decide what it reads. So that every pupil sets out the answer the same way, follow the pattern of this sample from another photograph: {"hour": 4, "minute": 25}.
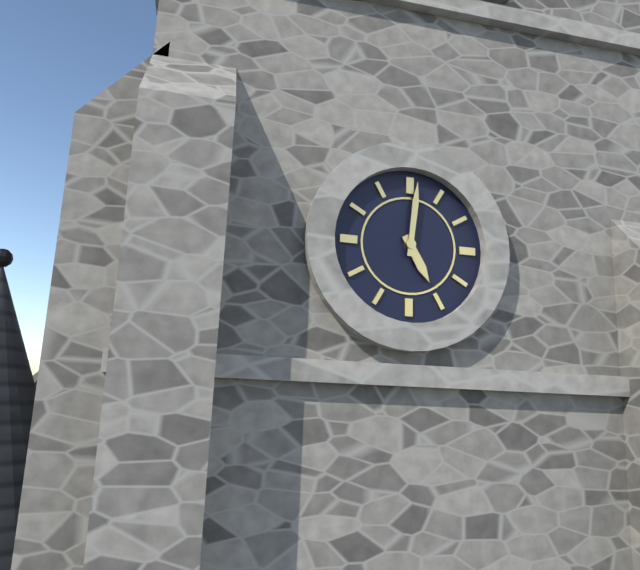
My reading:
{"hour": 5, "minute": 1}
